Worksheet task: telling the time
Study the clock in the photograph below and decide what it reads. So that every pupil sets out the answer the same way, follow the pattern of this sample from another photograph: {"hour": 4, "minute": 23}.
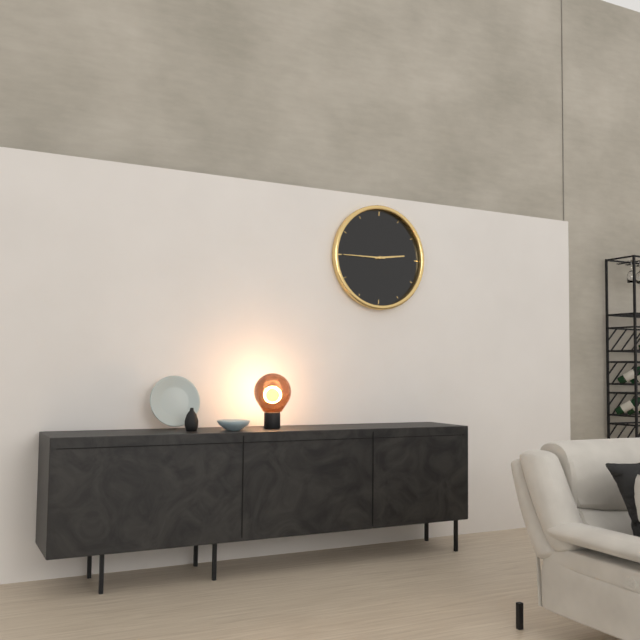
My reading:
{"hour": 2, "minute": 45}
